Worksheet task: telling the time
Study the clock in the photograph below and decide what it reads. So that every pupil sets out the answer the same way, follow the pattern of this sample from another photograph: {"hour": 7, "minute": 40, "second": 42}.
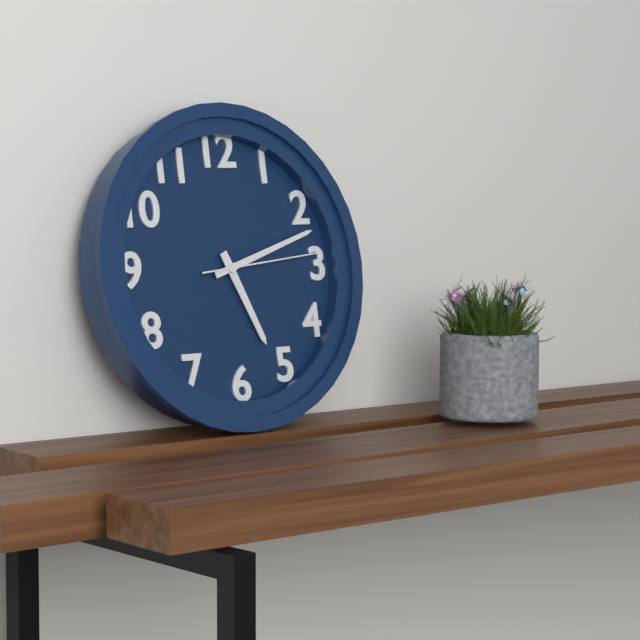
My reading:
{"hour": 5, "minute": 12, "second": 14}
